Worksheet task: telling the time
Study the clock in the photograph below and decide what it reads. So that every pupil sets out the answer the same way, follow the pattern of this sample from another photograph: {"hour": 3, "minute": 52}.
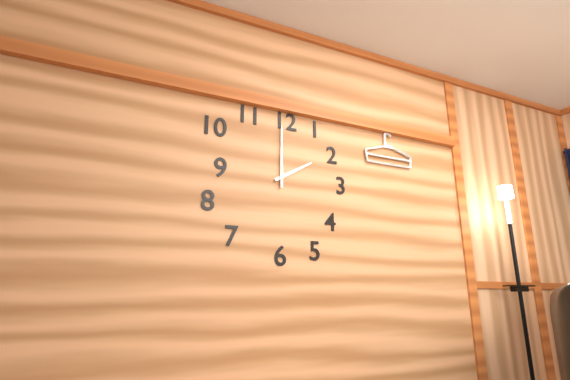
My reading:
{"hour": 2, "minute": 0}
